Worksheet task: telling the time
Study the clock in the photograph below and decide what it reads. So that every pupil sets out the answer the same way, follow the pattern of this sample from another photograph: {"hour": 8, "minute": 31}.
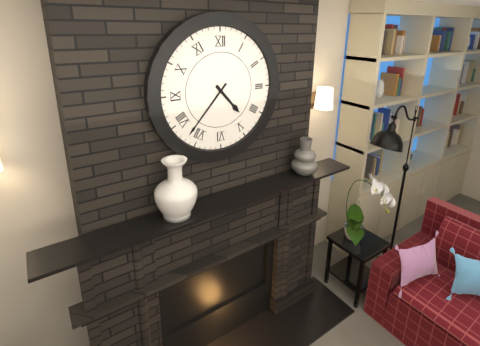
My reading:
{"hour": 4, "minute": 37}
